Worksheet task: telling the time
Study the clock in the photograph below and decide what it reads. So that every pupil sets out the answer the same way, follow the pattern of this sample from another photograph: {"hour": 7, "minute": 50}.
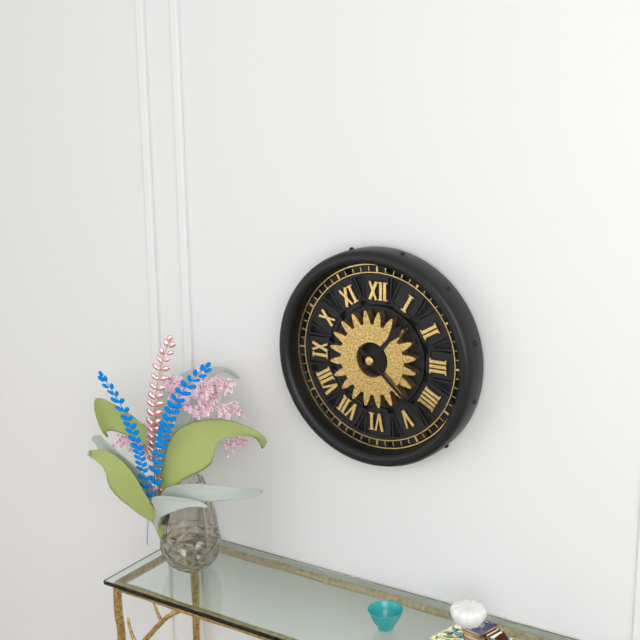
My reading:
{"hour": 1, "minute": 22}
